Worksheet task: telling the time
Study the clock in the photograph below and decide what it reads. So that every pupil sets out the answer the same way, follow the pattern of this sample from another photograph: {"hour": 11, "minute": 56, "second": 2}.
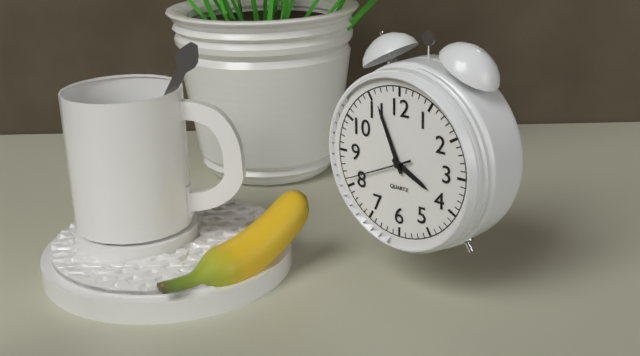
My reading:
{"hour": 3, "minute": 56, "second": 41}
